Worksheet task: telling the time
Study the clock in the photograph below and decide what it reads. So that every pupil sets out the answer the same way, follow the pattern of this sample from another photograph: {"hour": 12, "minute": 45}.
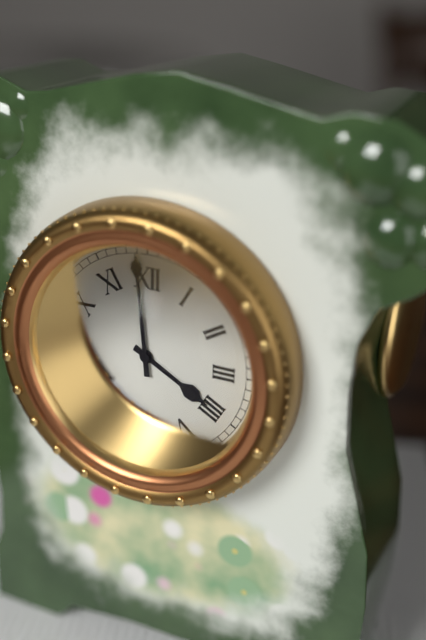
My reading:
{"hour": 3, "minute": 59}
